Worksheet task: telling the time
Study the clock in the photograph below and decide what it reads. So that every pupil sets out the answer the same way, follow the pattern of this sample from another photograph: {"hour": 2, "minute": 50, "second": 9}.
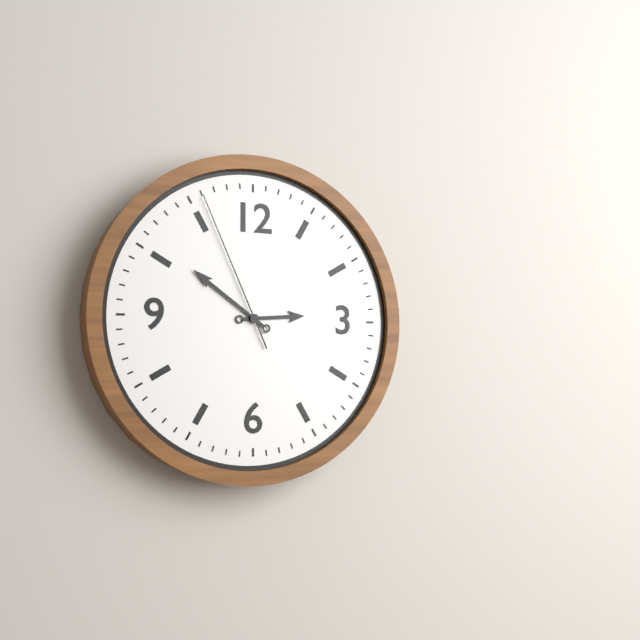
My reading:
{"hour": 2, "minute": 51, "second": 56}
